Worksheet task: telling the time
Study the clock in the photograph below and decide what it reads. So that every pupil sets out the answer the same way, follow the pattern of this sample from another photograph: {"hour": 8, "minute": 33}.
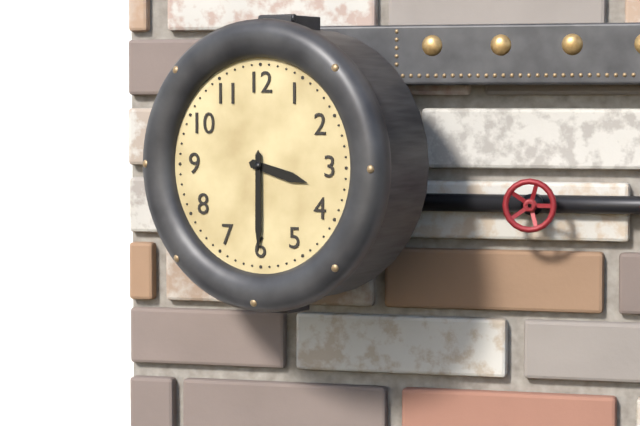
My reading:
{"hour": 3, "minute": 30}
